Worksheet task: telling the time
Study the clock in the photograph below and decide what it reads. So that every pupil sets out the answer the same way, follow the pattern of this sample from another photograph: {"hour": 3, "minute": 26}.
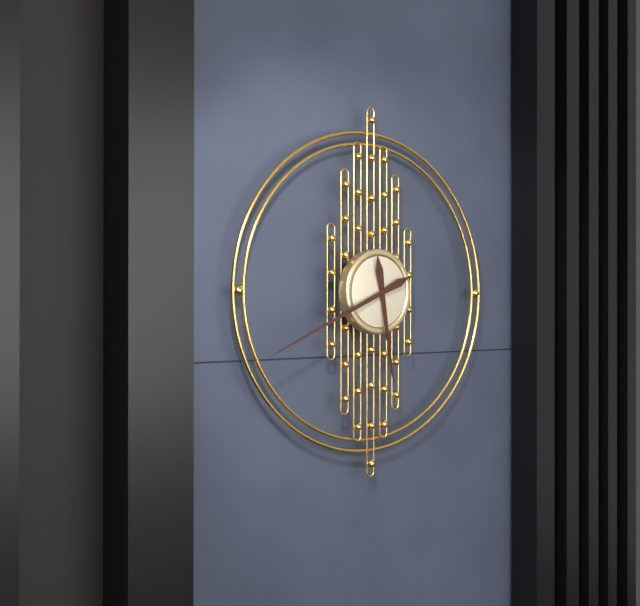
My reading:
{"hour": 5, "minute": 41}
